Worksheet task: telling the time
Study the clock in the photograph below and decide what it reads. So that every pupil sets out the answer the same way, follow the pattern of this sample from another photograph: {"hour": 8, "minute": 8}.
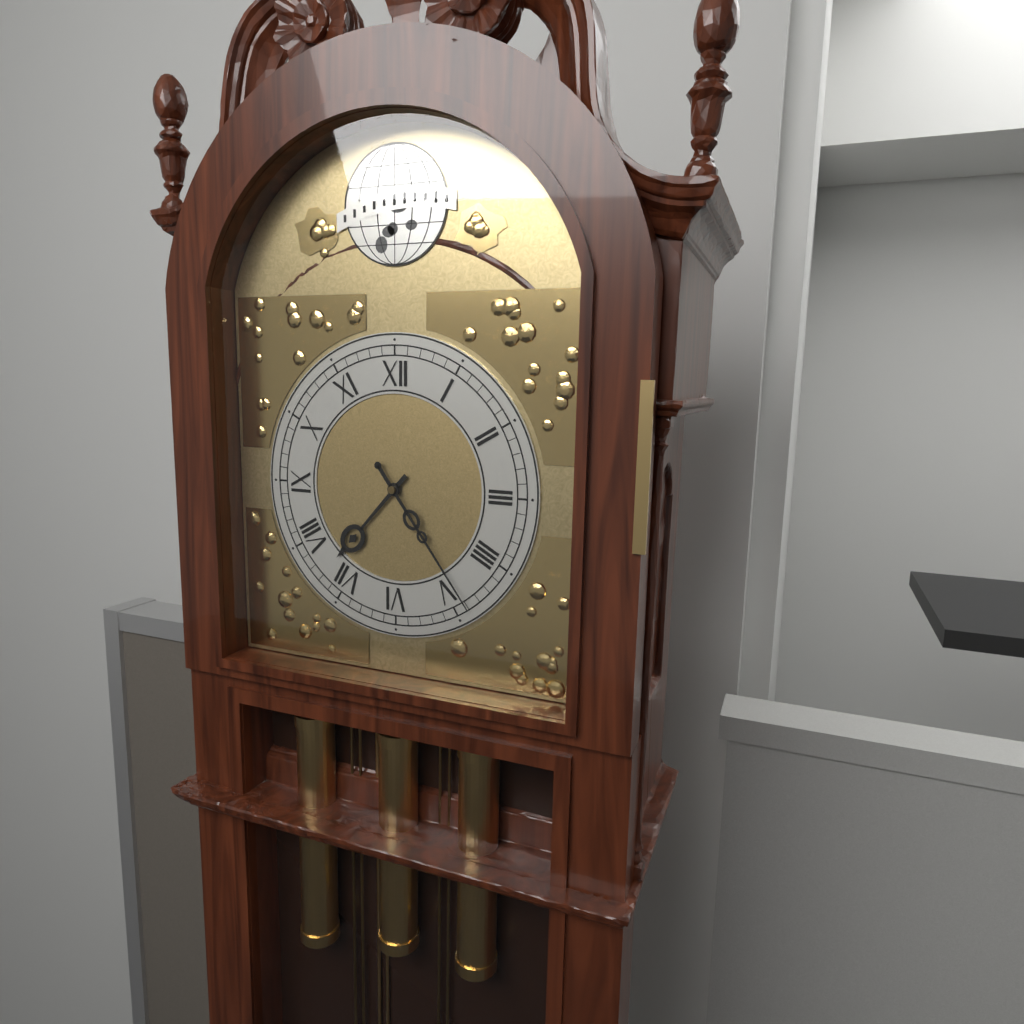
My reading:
{"hour": 7, "minute": 24}
